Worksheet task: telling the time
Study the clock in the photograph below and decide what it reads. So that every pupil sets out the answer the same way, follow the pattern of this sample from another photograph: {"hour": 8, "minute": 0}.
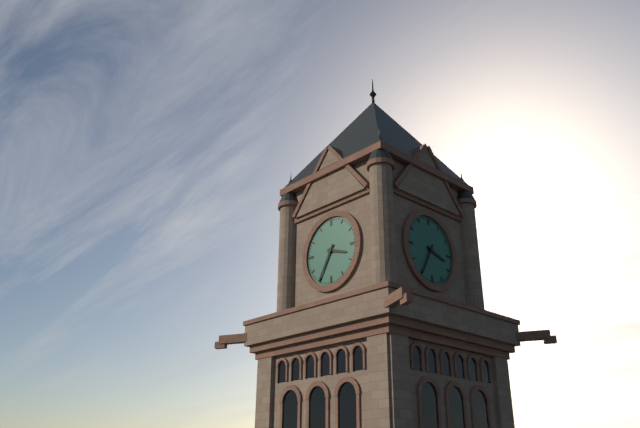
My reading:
{"hour": 3, "minute": 35}
